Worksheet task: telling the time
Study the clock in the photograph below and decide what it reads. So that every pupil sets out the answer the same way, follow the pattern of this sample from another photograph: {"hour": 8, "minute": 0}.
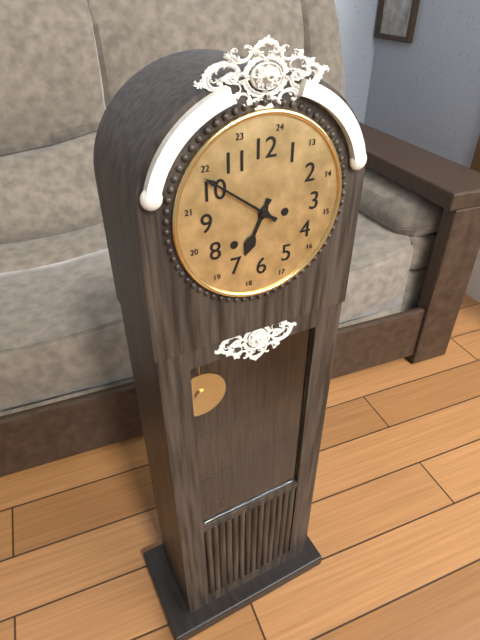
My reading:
{"hour": 6, "minute": 51}
